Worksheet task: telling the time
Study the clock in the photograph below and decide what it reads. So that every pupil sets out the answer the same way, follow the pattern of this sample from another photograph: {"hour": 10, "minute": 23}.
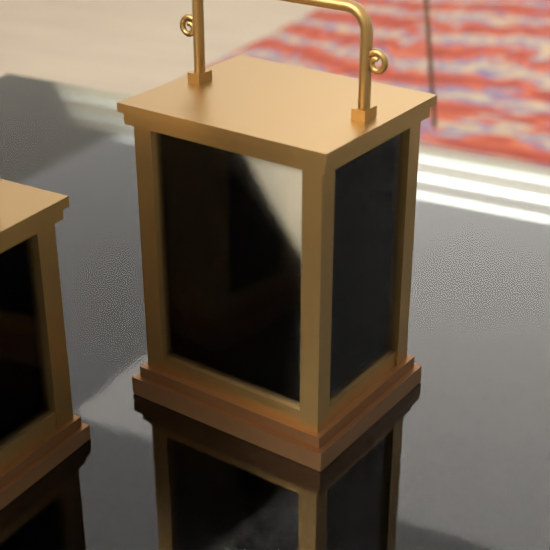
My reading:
{"hour": 11, "minute": 39}
